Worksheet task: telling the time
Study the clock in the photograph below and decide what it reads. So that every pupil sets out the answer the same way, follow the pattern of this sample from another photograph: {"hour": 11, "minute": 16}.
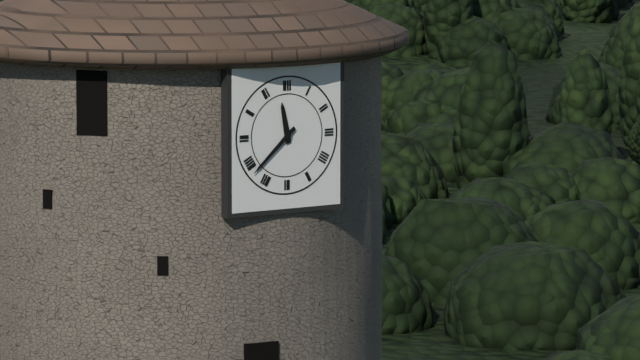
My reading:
{"hour": 11, "minute": 38}
